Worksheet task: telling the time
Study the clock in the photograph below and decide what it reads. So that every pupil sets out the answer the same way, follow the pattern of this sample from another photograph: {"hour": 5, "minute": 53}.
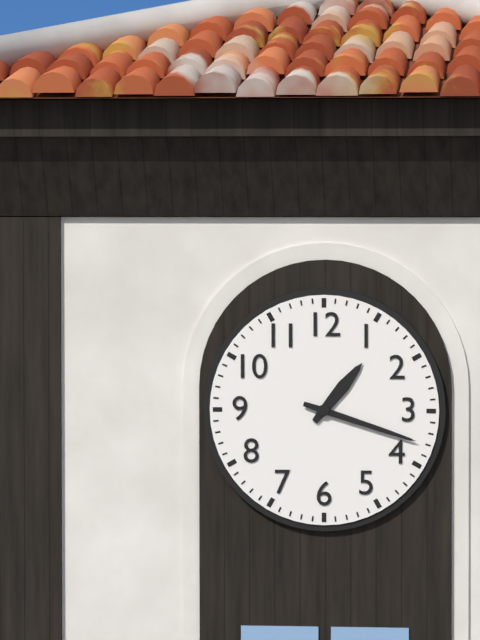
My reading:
{"hour": 1, "minute": 18}
